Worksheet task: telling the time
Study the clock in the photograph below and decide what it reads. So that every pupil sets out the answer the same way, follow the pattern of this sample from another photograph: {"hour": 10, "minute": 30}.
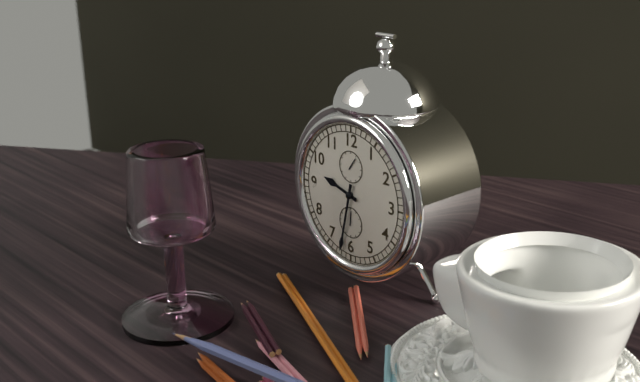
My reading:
{"hour": 9, "minute": 32}
